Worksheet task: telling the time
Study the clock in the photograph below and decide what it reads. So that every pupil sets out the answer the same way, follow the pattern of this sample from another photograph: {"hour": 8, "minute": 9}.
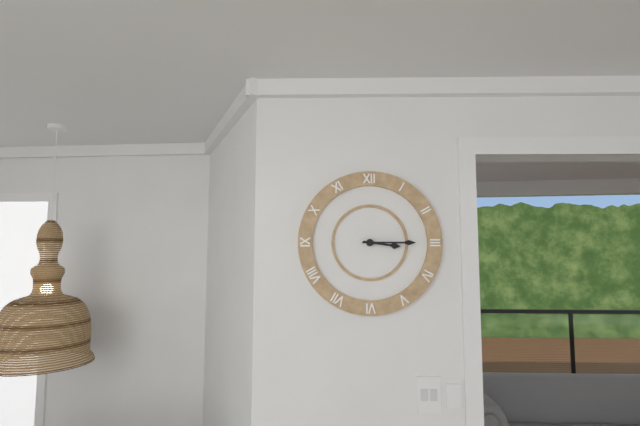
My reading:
{"hour": 3, "minute": 15}
